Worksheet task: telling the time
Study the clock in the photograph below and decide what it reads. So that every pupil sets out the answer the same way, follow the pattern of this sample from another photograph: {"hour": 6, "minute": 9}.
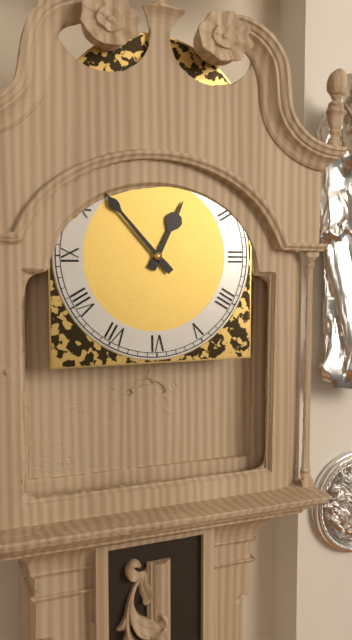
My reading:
{"hour": 12, "minute": 53}
